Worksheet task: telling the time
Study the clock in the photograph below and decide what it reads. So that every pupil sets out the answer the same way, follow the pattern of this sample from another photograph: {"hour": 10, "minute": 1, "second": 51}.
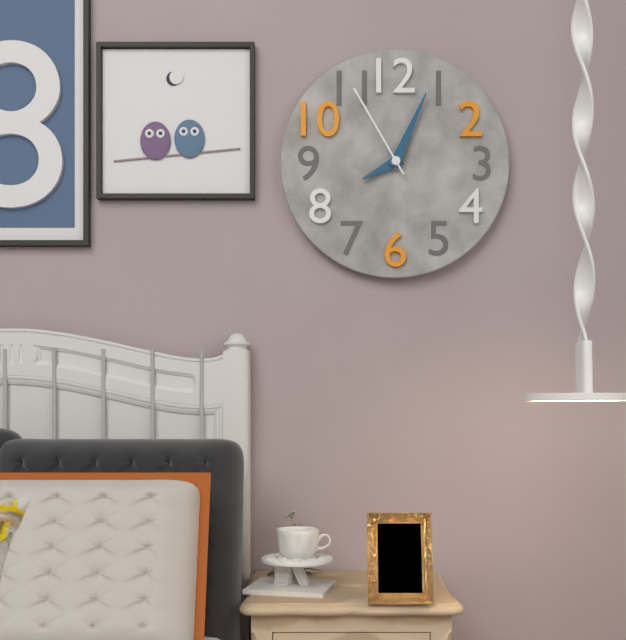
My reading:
{"hour": 8, "minute": 4, "second": 55}
